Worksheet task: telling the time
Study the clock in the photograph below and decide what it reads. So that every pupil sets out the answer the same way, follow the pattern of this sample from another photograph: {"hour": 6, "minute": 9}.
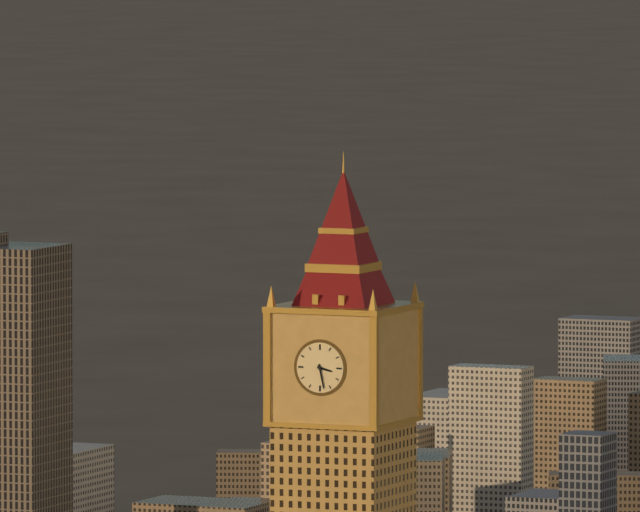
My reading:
{"hour": 3, "minute": 28}
